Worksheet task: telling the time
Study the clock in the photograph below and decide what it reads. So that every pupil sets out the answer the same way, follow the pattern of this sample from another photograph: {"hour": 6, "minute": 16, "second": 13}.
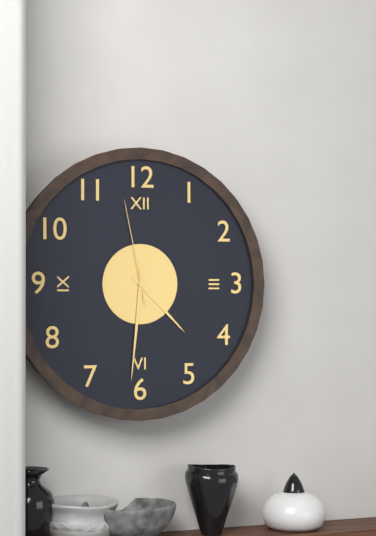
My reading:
{"hour": 4, "minute": 31, "second": 58}
